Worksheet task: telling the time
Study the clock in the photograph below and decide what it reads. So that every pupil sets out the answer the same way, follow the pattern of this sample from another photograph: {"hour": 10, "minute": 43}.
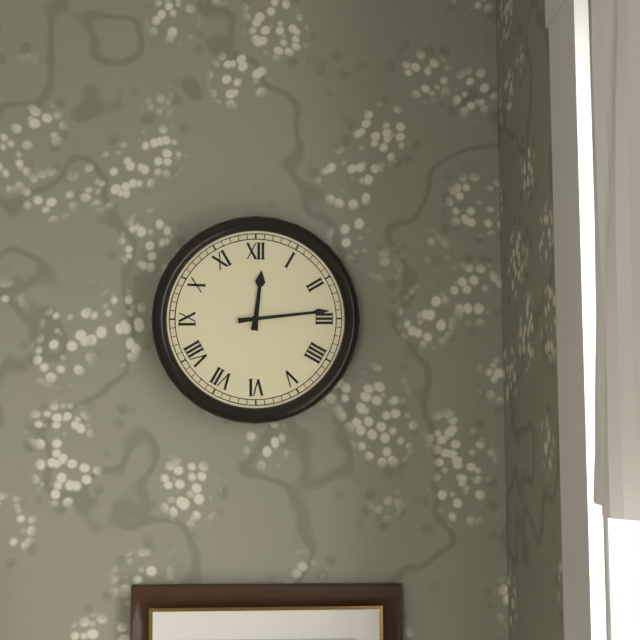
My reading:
{"hour": 12, "minute": 14}
